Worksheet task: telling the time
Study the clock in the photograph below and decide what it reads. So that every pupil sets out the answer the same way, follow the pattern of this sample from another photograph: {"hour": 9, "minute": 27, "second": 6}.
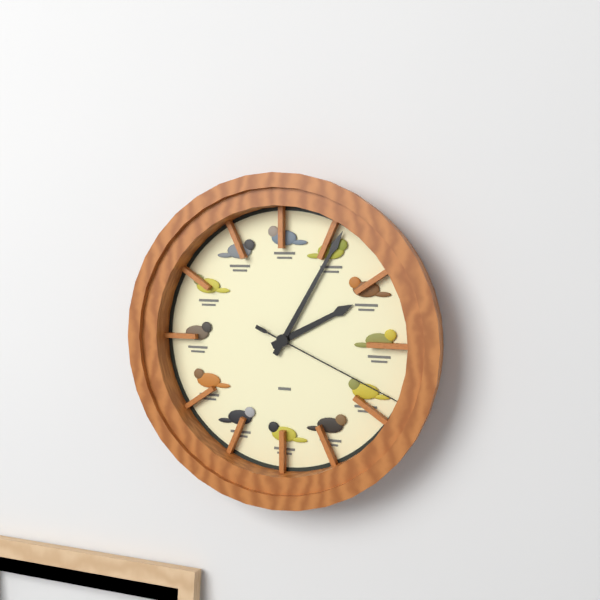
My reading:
{"hour": 2, "minute": 5, "second": 19}
